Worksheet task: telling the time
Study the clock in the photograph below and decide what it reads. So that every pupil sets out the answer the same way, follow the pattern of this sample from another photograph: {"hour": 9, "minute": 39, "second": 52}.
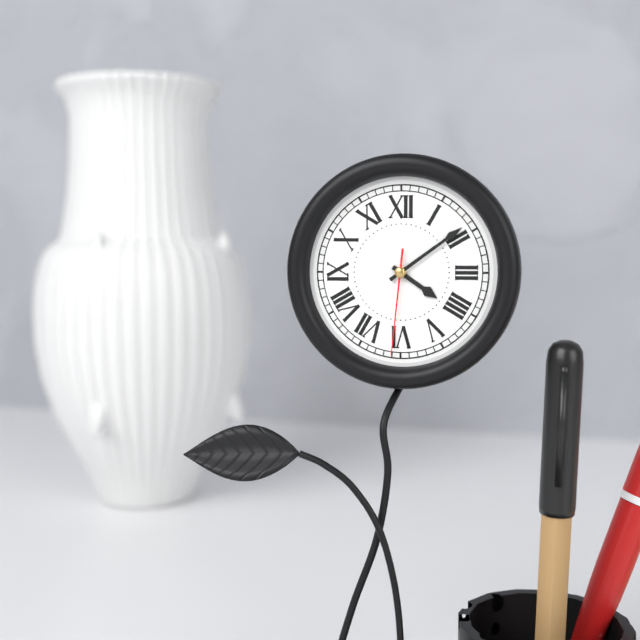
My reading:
{"hour": 4, "minute": 9, "second": 31}
